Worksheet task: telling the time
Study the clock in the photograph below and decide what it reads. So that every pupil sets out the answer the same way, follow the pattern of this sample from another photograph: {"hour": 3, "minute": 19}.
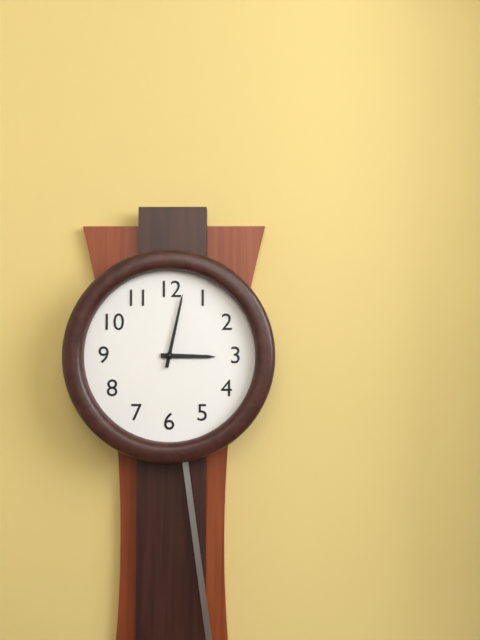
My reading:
{"hour": 3, "minute": 2}
